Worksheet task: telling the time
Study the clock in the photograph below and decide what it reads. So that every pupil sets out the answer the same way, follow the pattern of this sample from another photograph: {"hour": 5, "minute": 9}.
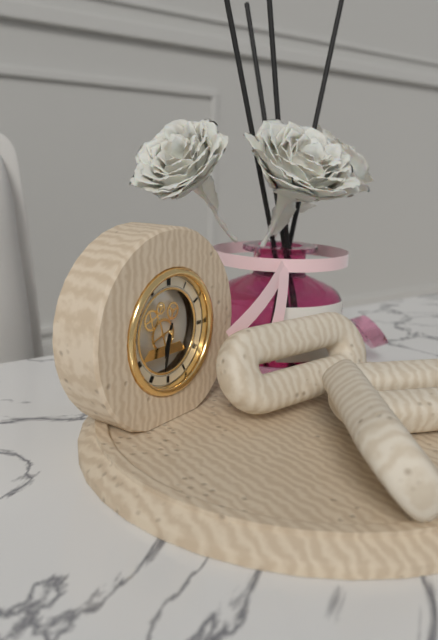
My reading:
{"hour": 6, "minute": 32}
